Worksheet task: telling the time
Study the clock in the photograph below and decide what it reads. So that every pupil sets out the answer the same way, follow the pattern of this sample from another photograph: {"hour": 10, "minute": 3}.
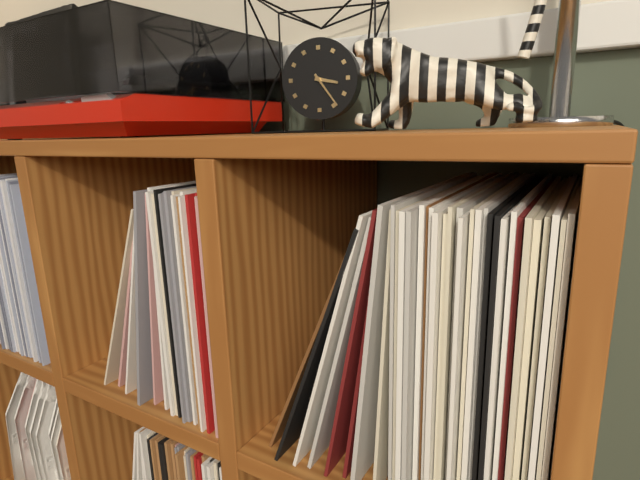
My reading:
{"hour": 3, "minute": 24}
